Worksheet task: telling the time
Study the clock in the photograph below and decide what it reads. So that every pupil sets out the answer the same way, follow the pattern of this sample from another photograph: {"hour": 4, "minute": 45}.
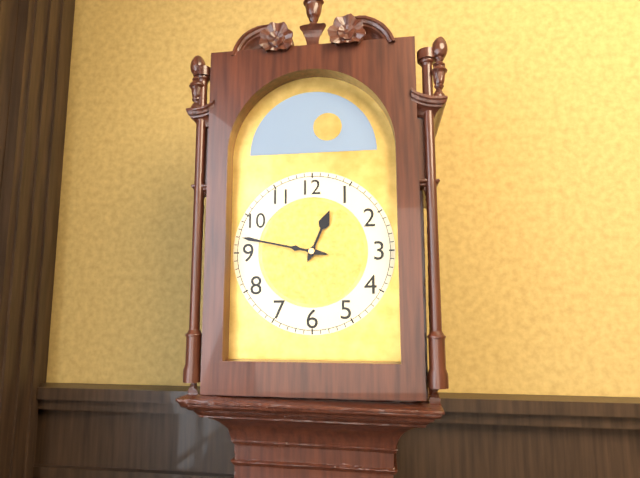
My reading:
{"hour": 12, "minute": 47}
